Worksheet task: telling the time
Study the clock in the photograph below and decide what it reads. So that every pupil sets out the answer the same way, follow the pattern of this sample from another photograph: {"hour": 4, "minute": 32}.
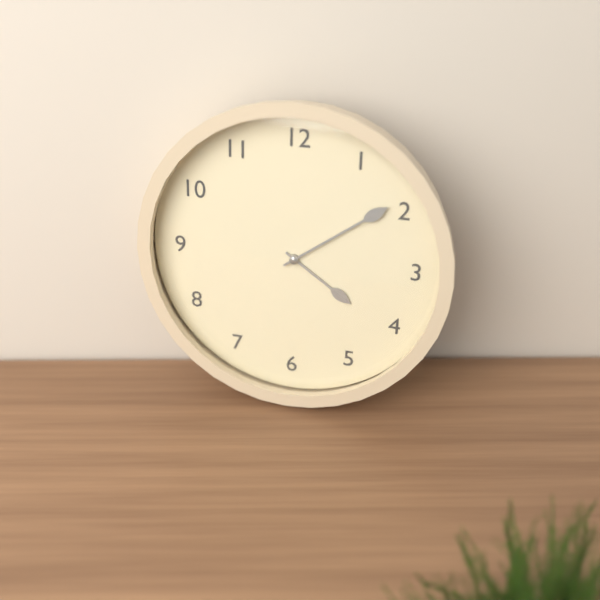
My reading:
{"hour": 4, "minute": 9}
